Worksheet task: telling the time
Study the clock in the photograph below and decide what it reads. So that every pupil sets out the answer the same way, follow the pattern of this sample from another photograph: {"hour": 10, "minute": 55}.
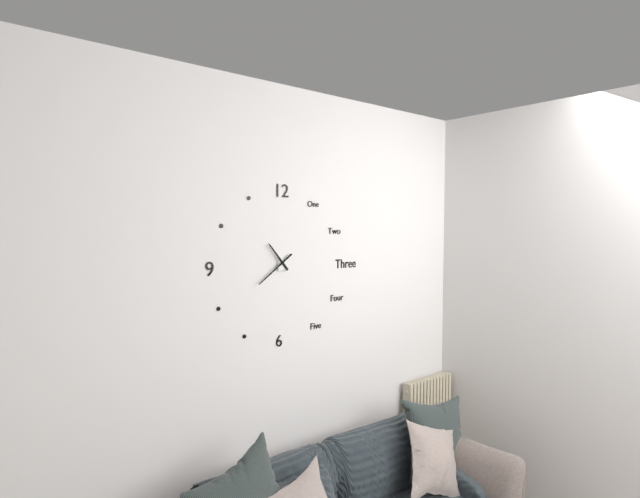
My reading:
{"hour": 10, "minute": 39}
